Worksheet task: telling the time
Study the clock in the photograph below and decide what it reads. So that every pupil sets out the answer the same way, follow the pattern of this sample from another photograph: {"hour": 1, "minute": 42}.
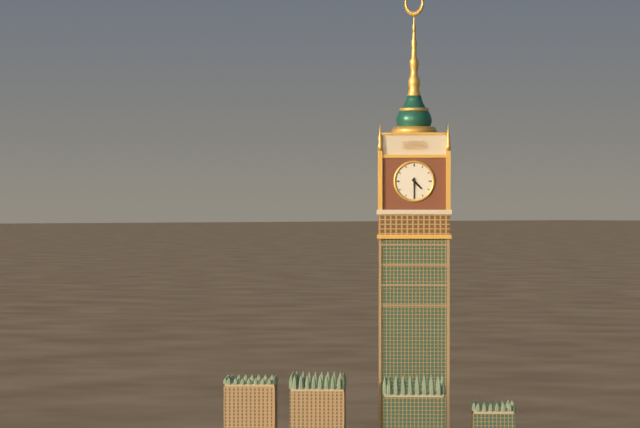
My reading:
{"hour": 4, "minute": 30}
